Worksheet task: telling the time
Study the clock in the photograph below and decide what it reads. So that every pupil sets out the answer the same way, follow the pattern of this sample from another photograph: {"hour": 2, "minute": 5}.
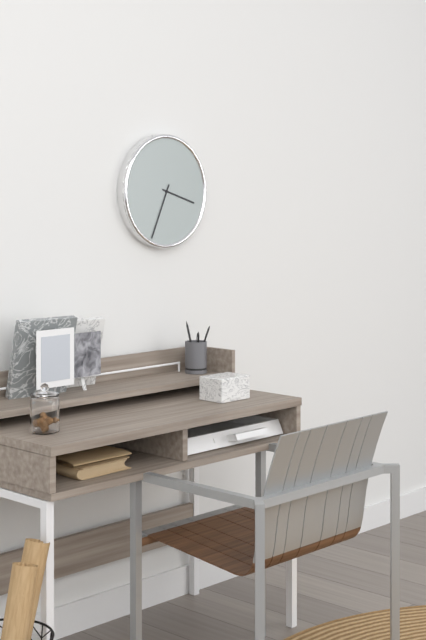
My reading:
{"hour": 3, "minute": 34}
